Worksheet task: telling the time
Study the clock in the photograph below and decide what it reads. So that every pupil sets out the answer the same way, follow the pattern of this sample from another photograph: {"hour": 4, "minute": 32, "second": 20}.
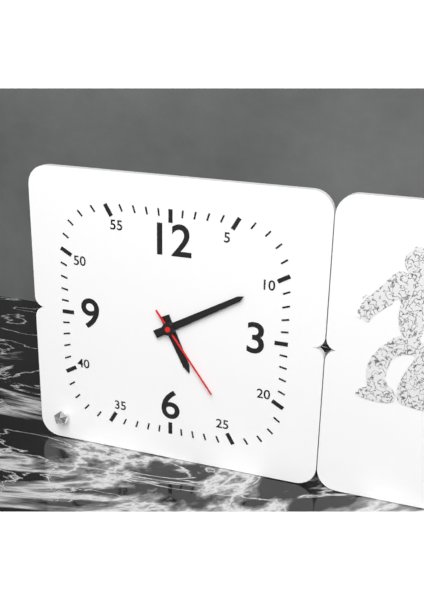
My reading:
{"hour": 5, "minute": 10, "second": 24}
